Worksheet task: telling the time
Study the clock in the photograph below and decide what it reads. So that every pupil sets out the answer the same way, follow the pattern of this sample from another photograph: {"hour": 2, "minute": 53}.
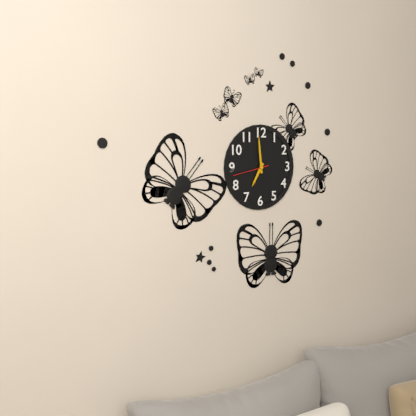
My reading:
{"hour": 6, "minute": 59}
